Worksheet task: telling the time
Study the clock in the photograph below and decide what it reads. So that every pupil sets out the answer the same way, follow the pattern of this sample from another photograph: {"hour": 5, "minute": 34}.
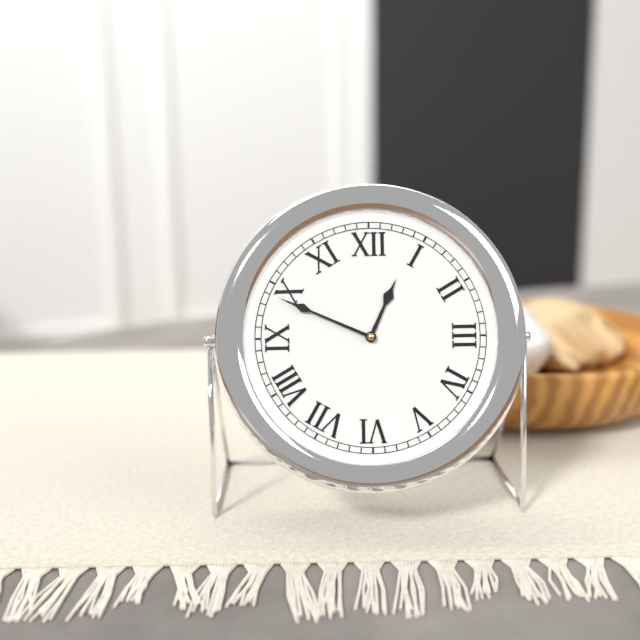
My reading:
{"hour": 12, "minute": 49}
